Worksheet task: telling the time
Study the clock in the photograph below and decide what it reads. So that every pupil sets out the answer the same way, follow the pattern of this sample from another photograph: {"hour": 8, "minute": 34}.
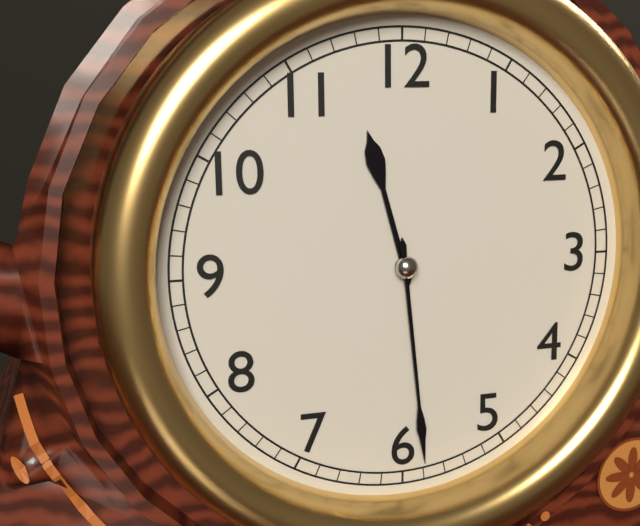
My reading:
{"hour": 11, "minute": 29}
